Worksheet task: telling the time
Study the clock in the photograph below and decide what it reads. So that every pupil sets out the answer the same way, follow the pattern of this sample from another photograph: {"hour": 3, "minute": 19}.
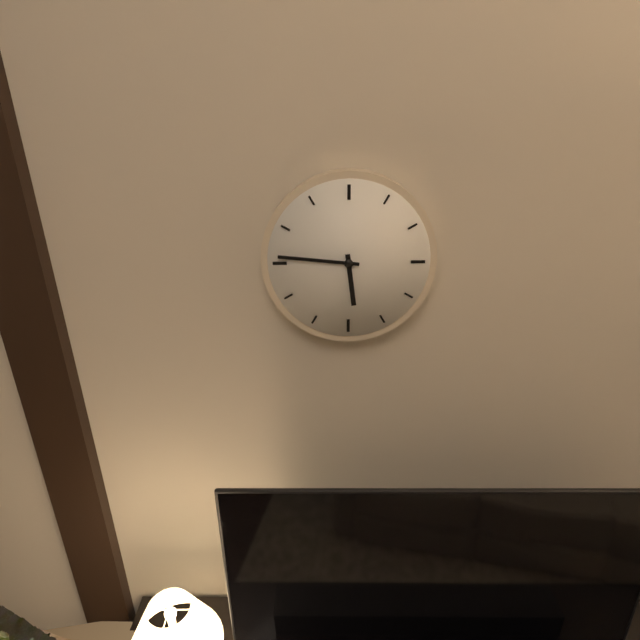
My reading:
{"hour": 5, "minute": 46}
